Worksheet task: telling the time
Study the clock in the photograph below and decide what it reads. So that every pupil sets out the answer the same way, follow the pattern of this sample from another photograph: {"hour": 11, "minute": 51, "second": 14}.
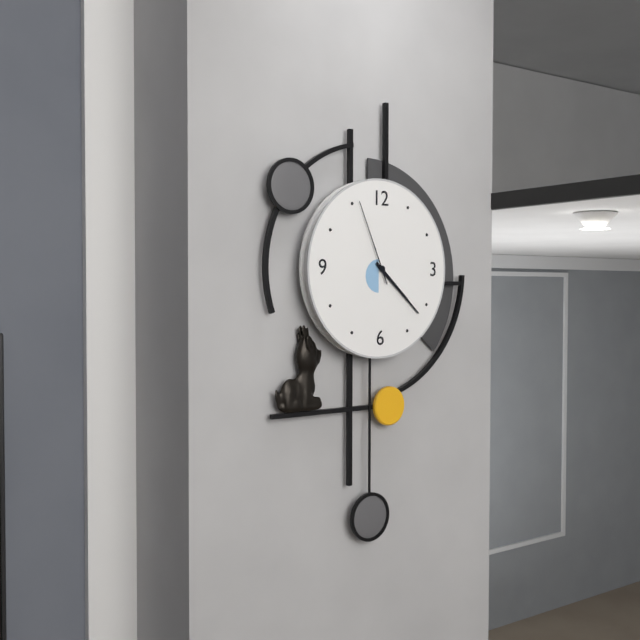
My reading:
{"hour": 4, "minute": 22, "second": 56}
